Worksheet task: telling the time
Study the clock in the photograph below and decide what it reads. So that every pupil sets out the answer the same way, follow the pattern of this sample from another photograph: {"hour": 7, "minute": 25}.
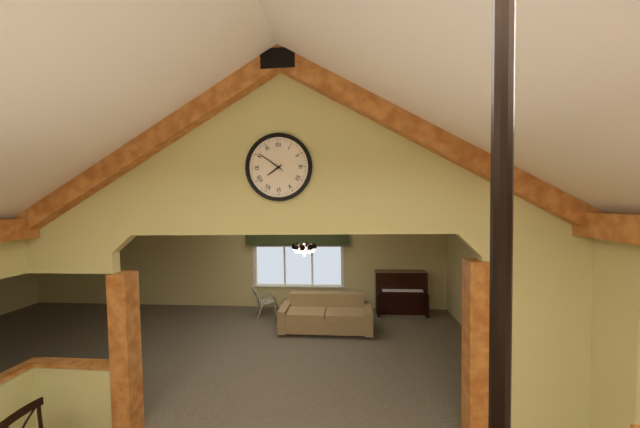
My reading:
{"hour": 7, "minute": 51}
